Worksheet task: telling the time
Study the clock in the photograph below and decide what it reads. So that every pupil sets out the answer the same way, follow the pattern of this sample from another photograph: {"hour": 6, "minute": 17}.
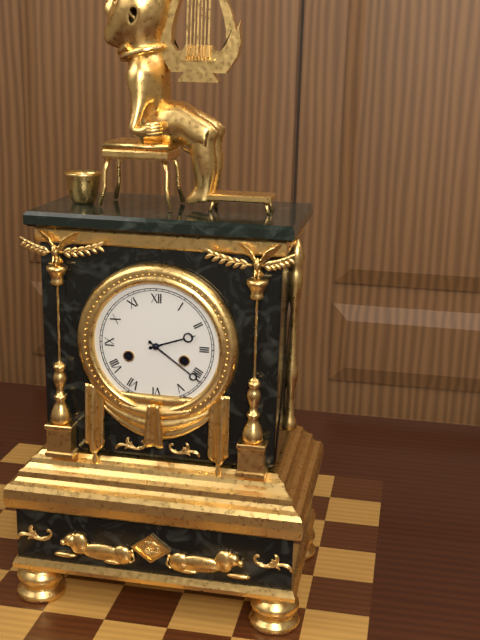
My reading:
{"hour": 2, "minute": 21}
